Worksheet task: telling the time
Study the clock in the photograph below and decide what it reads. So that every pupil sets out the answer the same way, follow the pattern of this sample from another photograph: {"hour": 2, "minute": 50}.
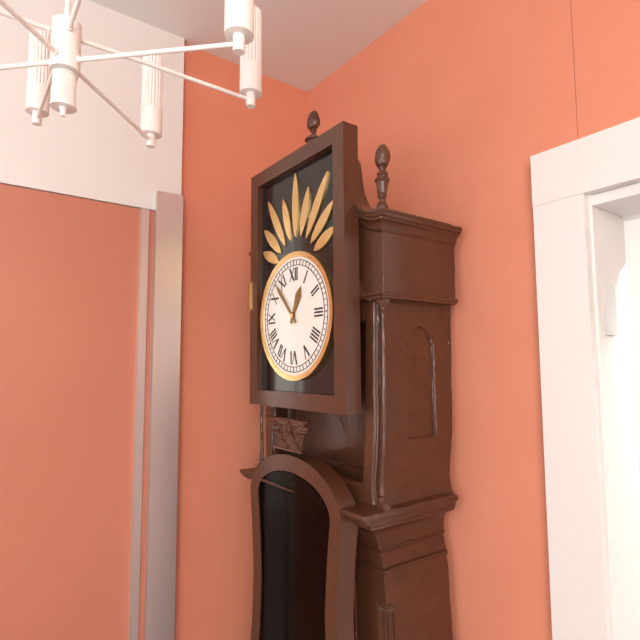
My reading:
{"hour": 12, "minute": 53}
